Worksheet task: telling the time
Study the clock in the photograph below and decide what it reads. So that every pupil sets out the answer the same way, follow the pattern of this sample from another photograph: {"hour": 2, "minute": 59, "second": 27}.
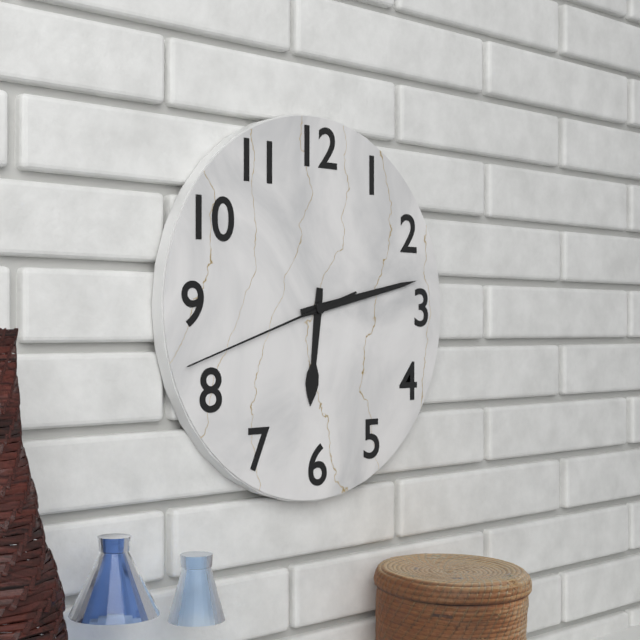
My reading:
{"hour": 6, "minute": 13, "second": 42}
